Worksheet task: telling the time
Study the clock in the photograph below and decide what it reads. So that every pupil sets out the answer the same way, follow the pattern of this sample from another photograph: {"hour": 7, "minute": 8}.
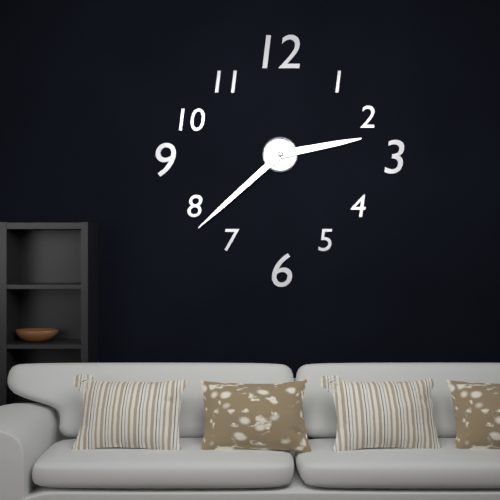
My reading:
{"hour": 2, "minute": 38}
